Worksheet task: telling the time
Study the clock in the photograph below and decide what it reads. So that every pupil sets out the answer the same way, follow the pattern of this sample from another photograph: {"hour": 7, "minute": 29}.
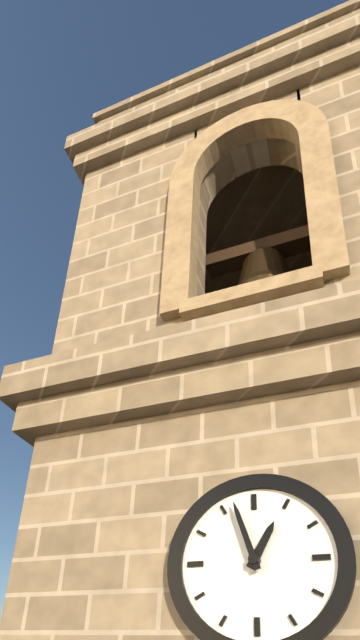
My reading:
{"hour": 12, "minute": 57}
